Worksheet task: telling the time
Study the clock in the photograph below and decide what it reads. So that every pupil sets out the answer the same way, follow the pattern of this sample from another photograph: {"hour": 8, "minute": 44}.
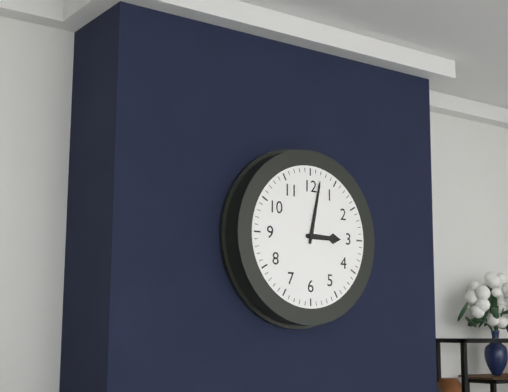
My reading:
{"hour": 3, "minute": 2}
